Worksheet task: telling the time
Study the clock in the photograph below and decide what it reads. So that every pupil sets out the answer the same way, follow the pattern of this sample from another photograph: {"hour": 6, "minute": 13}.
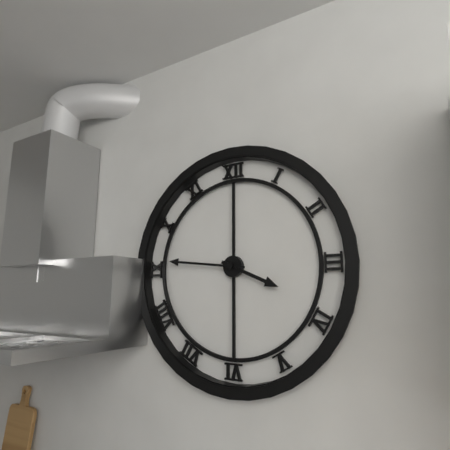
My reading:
{"hour": 3, "minute": 46}
